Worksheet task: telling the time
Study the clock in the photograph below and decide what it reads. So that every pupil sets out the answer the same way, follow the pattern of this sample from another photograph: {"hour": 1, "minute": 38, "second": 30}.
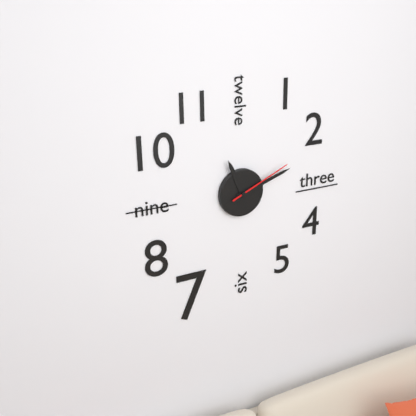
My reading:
{"hour": 11, "minute": 12, "second": 11}
